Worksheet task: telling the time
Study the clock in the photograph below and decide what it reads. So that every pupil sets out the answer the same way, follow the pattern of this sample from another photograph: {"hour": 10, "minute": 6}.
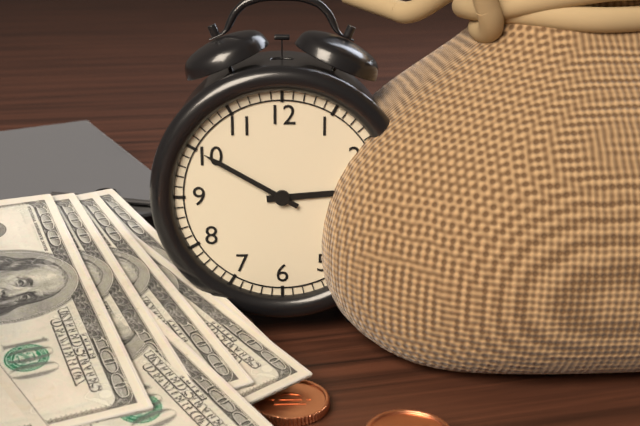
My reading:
{"hour": 2, "minute": 50}
